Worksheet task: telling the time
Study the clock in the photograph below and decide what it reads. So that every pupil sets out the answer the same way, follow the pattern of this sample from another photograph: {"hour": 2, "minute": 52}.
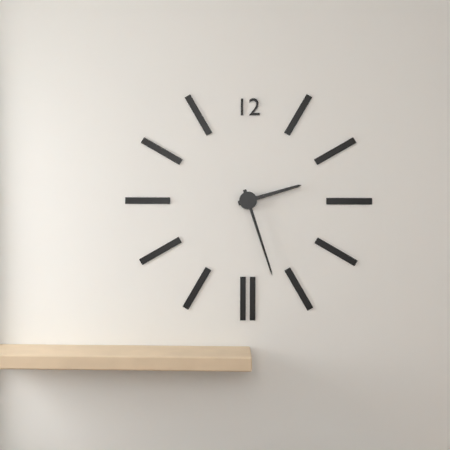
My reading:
{"hour": 2, "minute": 27}
